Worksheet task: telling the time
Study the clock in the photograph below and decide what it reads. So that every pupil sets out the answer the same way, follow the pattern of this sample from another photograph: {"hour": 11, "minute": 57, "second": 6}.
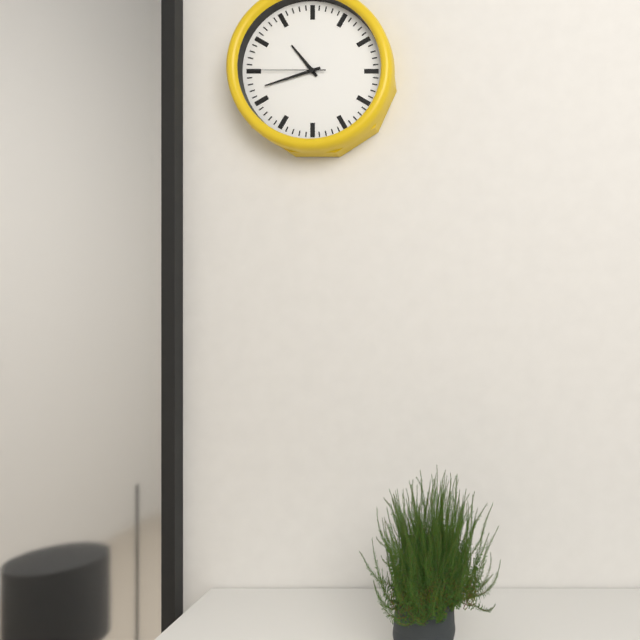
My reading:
{"hour": 10, "minute": 42, "second": 45}
